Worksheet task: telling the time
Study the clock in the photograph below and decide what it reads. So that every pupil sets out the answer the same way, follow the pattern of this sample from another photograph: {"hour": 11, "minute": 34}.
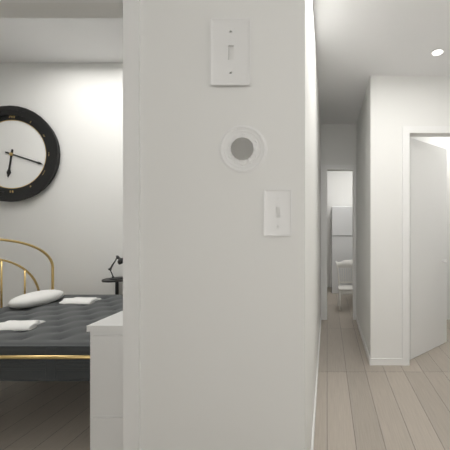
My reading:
{"hour": 6, "minute": 18}
